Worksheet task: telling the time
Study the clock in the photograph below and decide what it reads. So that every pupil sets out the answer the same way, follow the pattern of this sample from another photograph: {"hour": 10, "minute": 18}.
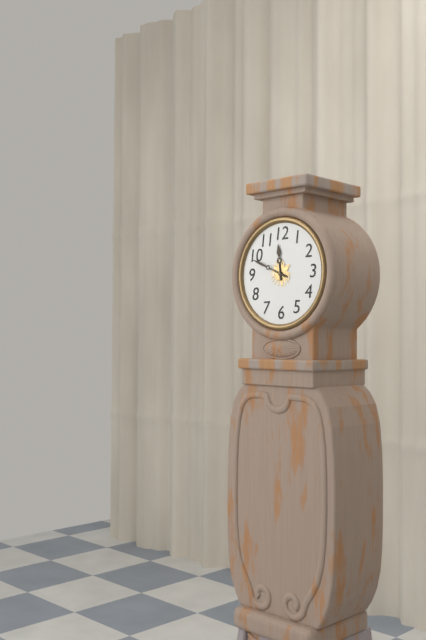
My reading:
{"hour": 11, "minute": 49}
